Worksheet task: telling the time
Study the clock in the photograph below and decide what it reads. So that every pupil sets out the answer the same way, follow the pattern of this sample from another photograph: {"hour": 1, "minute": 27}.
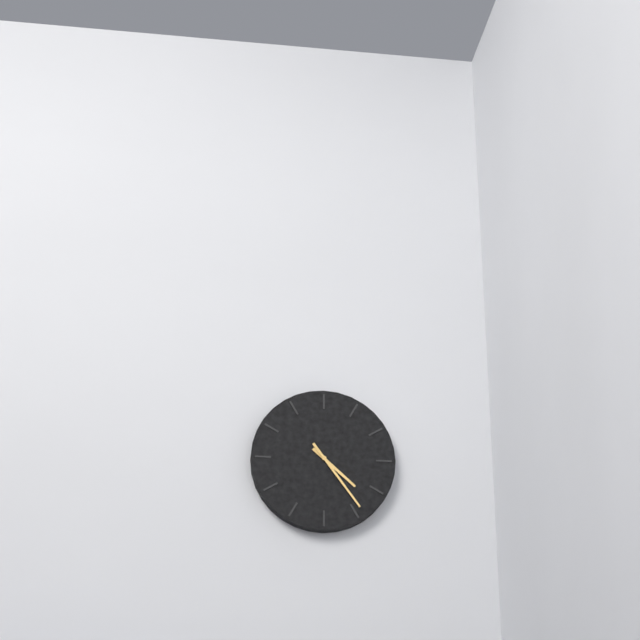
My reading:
{"hour": 4, "minute": 24}
